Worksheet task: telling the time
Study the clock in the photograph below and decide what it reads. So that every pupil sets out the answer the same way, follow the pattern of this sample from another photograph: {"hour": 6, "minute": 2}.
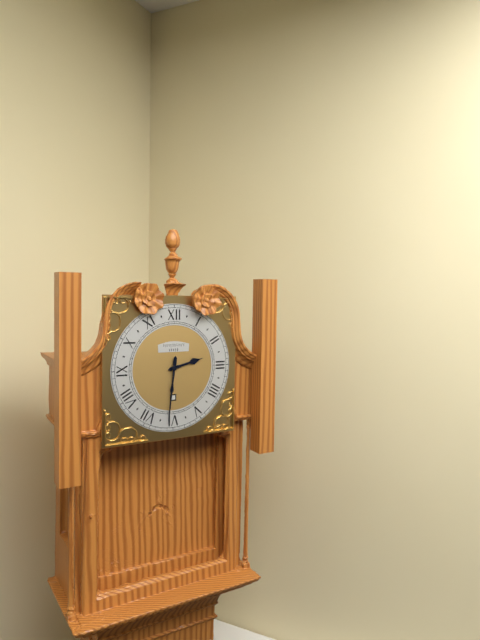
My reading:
{"hour": 2, "minute": 31}
